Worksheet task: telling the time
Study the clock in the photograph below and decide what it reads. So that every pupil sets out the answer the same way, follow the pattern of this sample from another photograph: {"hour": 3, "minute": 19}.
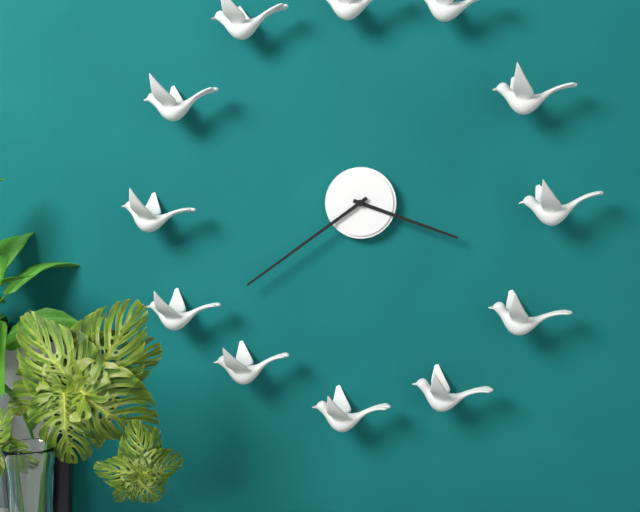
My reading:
{"hour": 3, "minute": 39}
